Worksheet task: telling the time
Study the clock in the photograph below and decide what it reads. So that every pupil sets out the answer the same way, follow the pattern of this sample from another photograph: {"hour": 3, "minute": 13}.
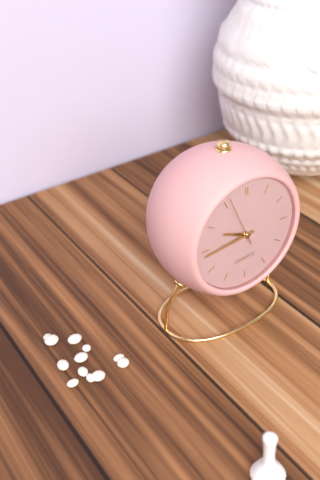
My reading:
{"hour": 9, "minute": 44}
